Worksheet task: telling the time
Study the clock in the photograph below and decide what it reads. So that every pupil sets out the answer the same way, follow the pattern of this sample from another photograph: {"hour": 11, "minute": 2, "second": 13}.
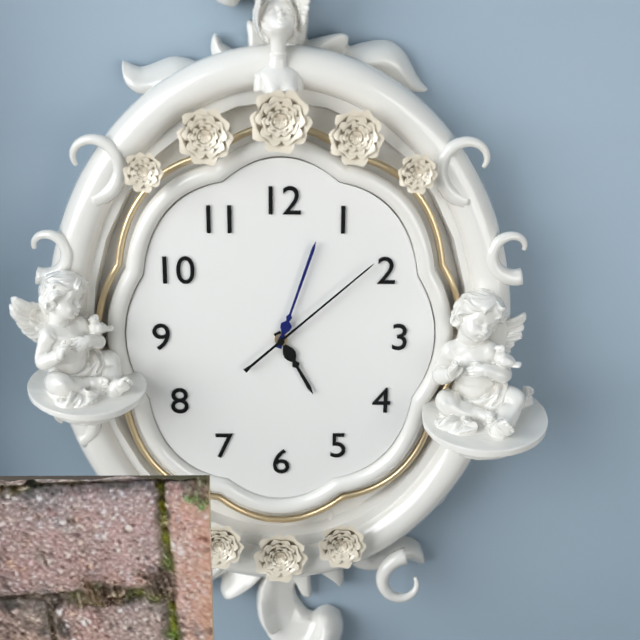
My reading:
{"hour": 5, "minute": 3, "second": 8}
